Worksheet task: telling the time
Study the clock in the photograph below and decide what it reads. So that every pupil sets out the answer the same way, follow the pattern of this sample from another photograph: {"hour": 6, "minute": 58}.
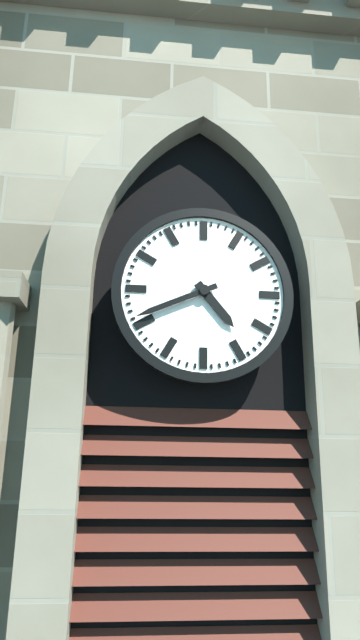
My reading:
{"hour": 4, "minute": 41}
